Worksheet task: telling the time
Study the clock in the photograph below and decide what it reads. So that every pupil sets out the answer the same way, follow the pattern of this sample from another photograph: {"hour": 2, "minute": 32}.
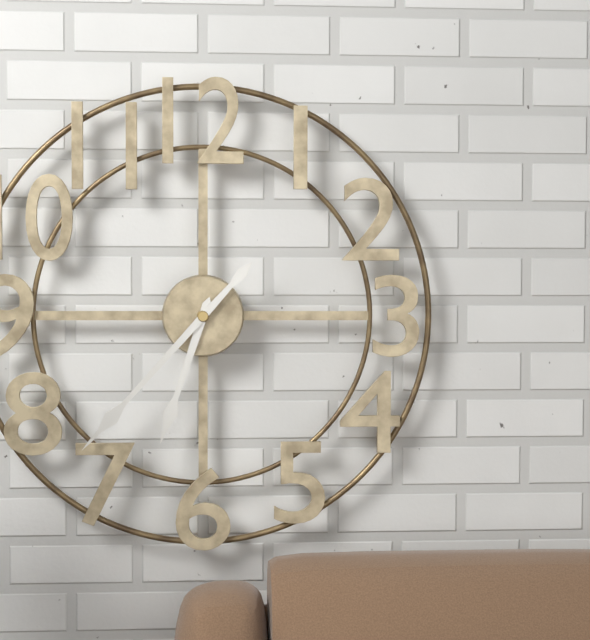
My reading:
{"hour": 6, "minute": 37}
